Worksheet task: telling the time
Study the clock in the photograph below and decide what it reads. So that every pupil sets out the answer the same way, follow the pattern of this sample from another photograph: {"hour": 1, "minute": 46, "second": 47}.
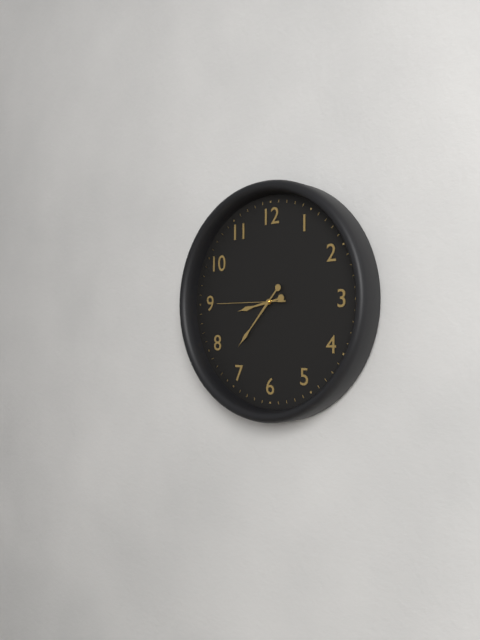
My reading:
{"hour": 8, "minute": 37, "second": 45}
